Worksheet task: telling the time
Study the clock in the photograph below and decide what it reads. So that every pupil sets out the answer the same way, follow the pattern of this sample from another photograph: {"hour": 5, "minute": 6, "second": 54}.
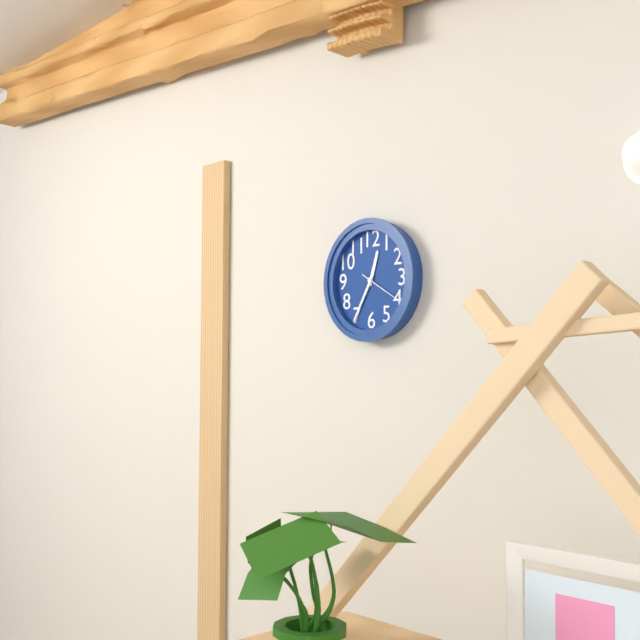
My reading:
{"hour": 12, "minute": 35, "second": 20}
